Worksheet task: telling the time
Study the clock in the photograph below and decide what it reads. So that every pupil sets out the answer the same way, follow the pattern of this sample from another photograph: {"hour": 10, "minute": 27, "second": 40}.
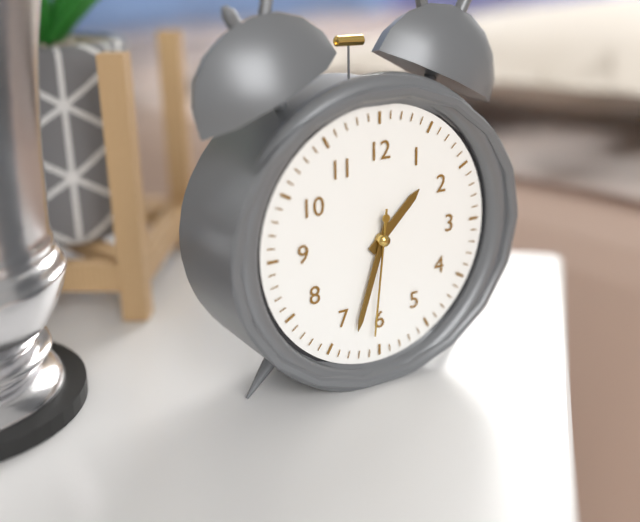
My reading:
{"hour": 1, "minute": 33, "second": 31}
